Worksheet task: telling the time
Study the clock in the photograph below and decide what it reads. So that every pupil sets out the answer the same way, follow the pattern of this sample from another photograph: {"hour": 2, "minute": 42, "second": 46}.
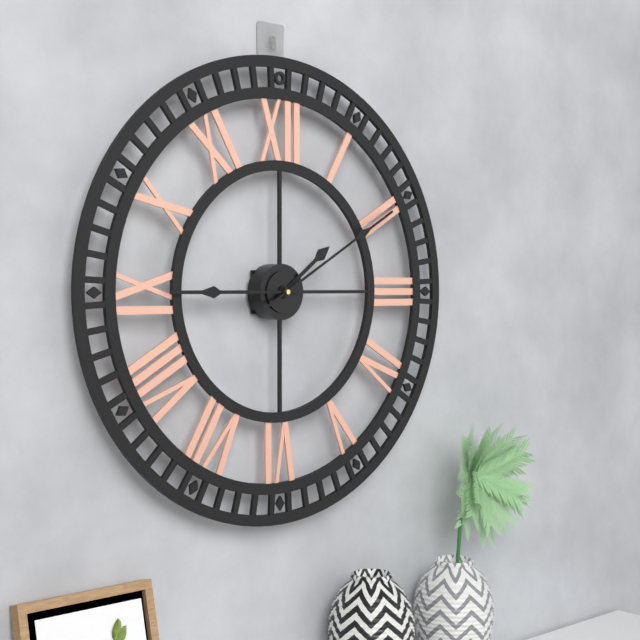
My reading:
{"hour": 1, "minute": 45, "second": 10}
